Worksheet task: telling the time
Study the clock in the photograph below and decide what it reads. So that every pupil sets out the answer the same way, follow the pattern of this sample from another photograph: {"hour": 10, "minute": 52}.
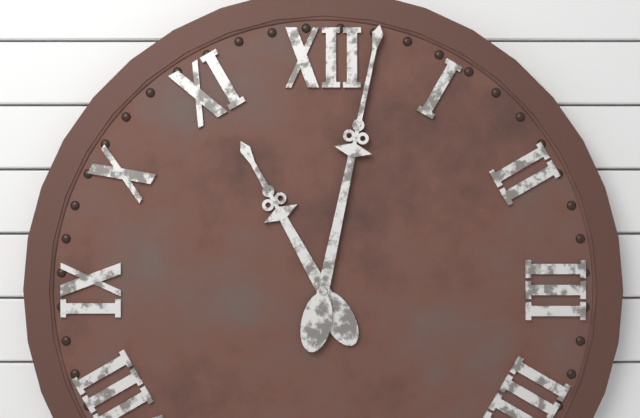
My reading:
{"hour": 11, "minute": 2}
